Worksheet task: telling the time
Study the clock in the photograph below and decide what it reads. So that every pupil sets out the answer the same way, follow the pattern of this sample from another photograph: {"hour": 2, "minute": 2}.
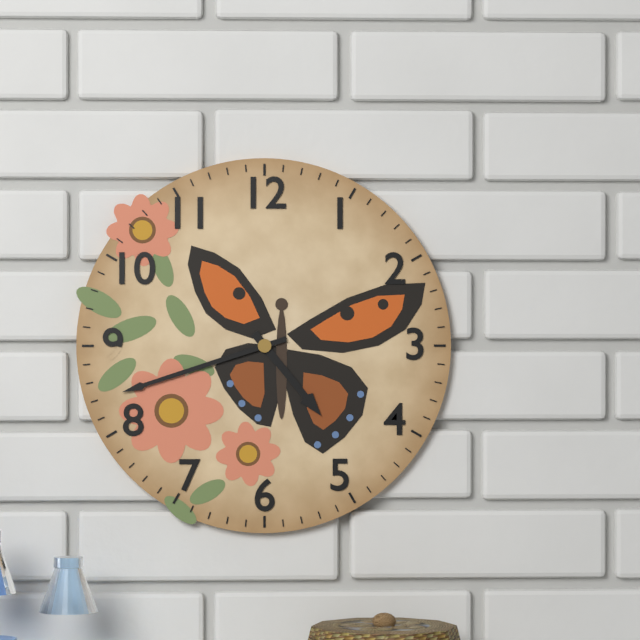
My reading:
{"hour": 4, "minute": 42}
